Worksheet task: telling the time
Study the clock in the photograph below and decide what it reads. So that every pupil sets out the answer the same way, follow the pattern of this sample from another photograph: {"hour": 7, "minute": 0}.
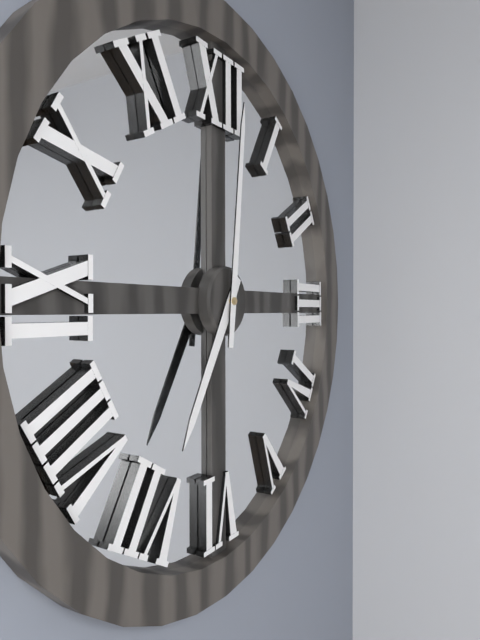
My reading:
{"hour": 7, "minute": 1}
